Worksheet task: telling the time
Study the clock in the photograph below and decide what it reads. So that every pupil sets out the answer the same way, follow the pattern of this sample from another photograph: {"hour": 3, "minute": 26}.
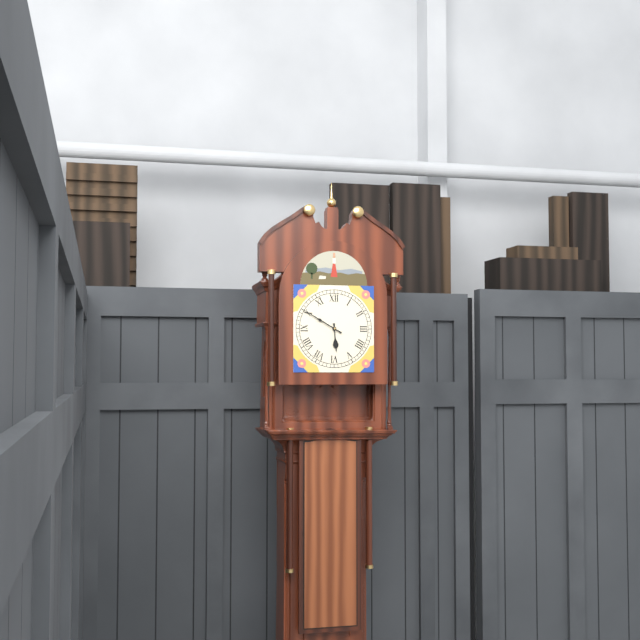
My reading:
{"hour": 5, "minute": 50}
